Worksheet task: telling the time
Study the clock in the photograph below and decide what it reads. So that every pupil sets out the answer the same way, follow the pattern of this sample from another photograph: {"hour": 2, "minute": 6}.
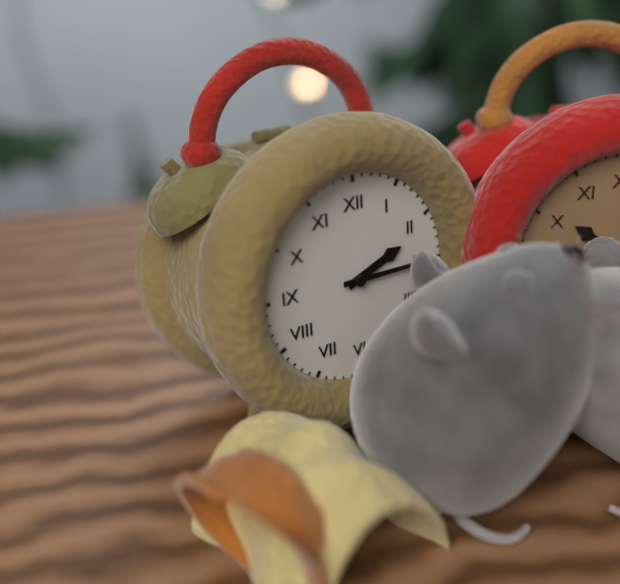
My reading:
{"hour": 2, "minute": 15}
